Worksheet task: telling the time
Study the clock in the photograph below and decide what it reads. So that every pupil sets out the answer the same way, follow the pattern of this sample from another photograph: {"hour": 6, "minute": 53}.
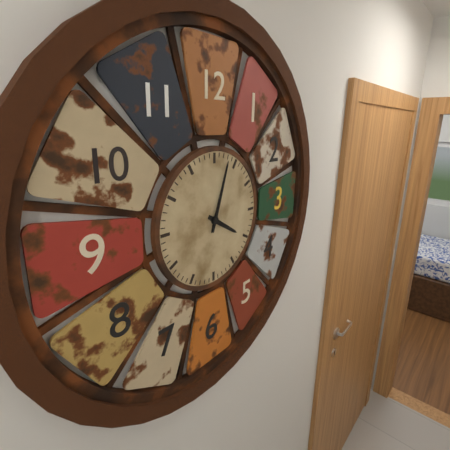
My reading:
{"hour": 4, "minute": 3}
